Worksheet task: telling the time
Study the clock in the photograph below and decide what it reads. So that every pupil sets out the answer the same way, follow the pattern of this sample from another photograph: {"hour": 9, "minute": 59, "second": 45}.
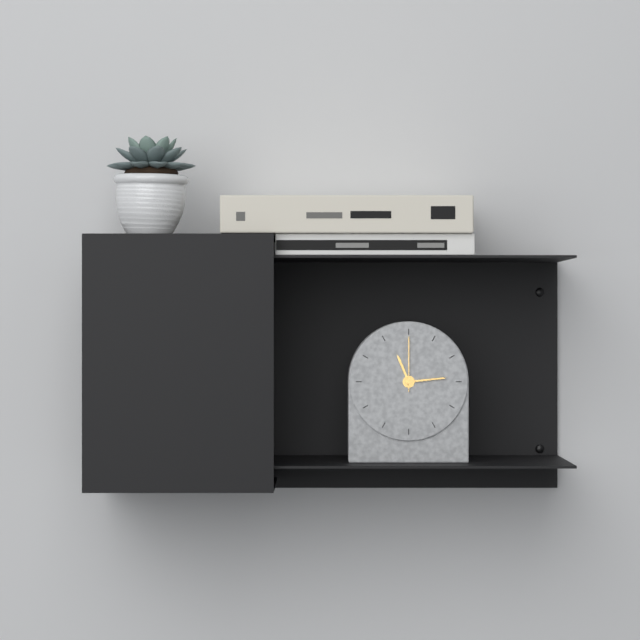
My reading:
{"hour": 11, "minute": 14, "second": 0}
